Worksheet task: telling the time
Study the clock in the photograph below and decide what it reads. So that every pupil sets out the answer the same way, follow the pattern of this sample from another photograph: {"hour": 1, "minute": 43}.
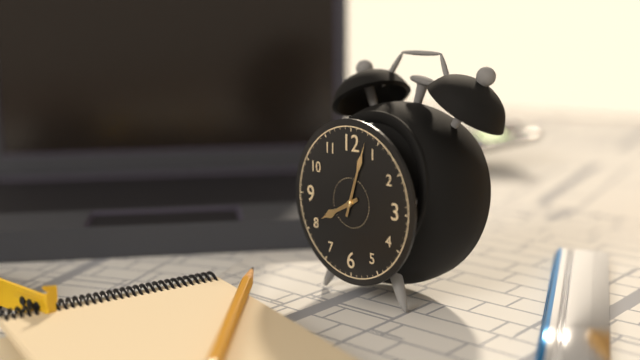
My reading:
{"hour": 8, "minute": 3}
